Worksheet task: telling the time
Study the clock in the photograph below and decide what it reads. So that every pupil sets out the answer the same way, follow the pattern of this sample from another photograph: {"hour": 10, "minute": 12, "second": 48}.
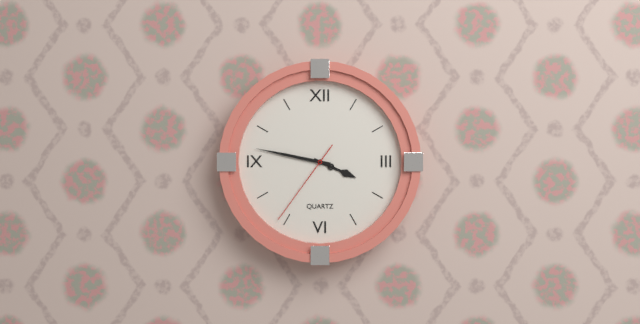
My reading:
{"hour": 3, "minute": 47, "second": 36}
